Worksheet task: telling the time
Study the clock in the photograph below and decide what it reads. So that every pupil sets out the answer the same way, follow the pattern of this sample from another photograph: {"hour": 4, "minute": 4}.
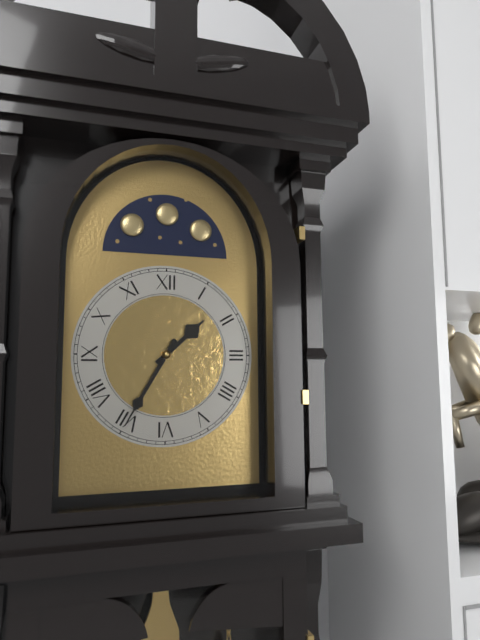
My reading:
{"hour": 1, "minute": 35}
